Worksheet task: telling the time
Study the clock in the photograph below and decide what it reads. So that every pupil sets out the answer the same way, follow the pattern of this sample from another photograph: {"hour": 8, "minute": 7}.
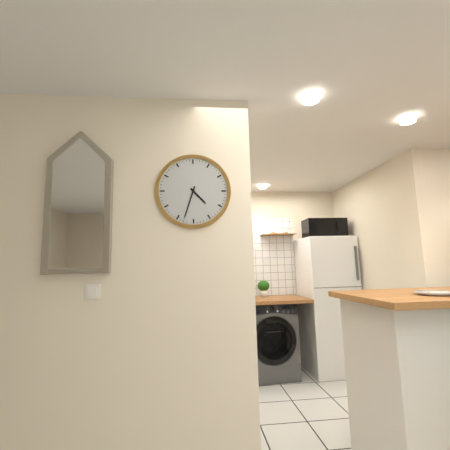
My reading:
{"hour": 4, "minute": 33}
